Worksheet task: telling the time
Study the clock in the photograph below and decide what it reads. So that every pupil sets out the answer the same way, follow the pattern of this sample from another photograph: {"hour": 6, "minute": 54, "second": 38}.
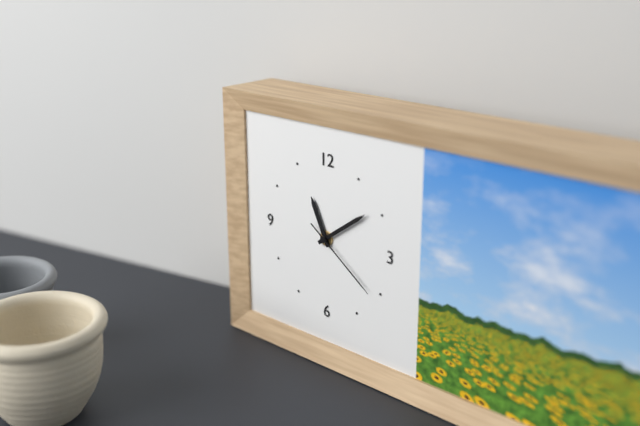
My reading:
{"hour": 11, "minute": 9, "second": 21}
